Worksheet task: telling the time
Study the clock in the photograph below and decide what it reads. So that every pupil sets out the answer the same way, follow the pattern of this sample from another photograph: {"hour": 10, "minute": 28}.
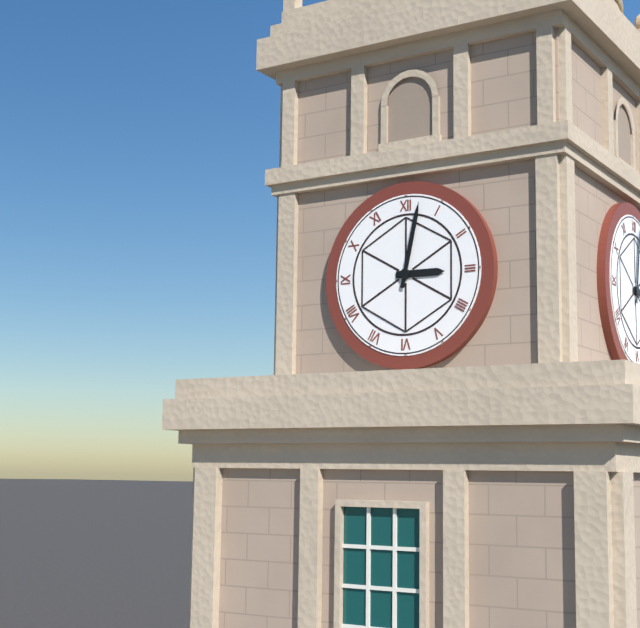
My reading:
{"hour": 3, "minute": 2}
